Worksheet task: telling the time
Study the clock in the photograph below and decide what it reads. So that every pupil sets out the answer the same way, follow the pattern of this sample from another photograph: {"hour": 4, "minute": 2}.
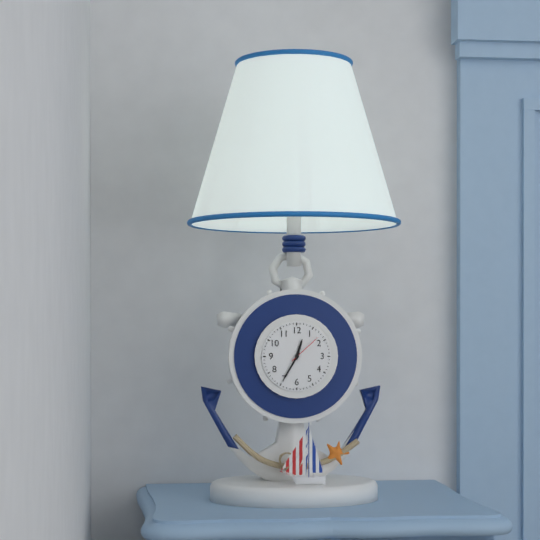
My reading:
{"hour": 12, "minute": 35}
